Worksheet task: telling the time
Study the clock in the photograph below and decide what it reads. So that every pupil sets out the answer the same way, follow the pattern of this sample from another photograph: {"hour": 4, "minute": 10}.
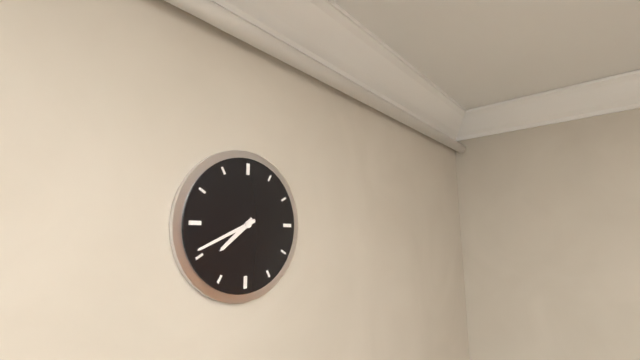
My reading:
{"hour": 7, "minute": 41}
